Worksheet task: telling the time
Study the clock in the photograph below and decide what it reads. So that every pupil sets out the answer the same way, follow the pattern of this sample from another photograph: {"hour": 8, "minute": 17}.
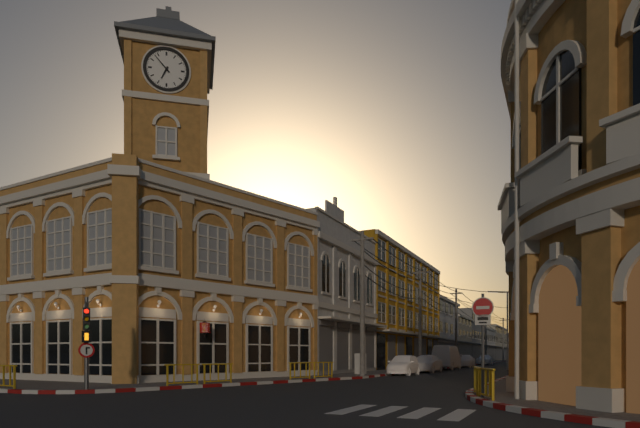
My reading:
{"hour": 6, "minute": 53}
